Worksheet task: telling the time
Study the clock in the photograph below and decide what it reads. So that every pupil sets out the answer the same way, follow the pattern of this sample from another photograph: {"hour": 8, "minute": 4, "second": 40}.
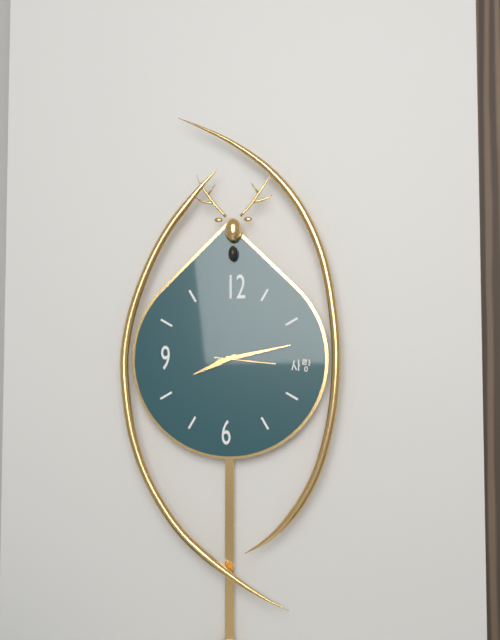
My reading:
{"hour": 8, "minute": 13, "second": 16}
